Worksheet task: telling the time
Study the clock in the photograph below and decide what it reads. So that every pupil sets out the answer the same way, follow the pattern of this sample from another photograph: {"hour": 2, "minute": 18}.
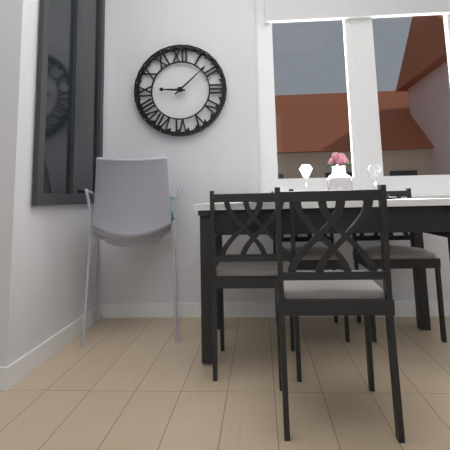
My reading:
{"hour": 9, "minute": 8}
